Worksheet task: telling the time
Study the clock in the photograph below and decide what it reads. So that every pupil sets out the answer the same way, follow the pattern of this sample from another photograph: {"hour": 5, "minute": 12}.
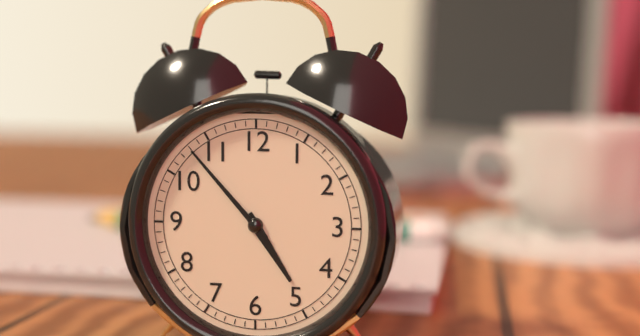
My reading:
{"hour": 4, "minute": 53}
